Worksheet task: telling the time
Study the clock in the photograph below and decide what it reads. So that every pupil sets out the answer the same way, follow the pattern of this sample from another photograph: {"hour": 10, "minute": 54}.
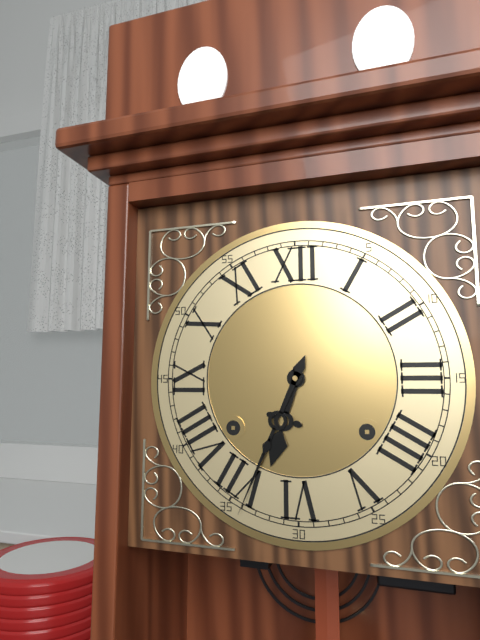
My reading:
{"hour": 6, "minute": 34}
